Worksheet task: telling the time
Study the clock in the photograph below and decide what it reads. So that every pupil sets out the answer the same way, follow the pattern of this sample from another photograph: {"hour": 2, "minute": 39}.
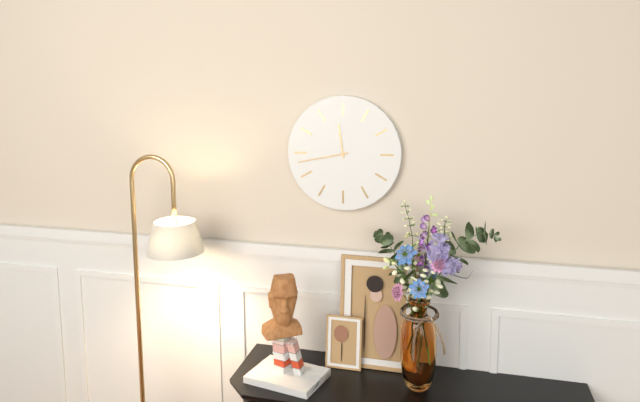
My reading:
{"hour": 11, "minute": 43}
